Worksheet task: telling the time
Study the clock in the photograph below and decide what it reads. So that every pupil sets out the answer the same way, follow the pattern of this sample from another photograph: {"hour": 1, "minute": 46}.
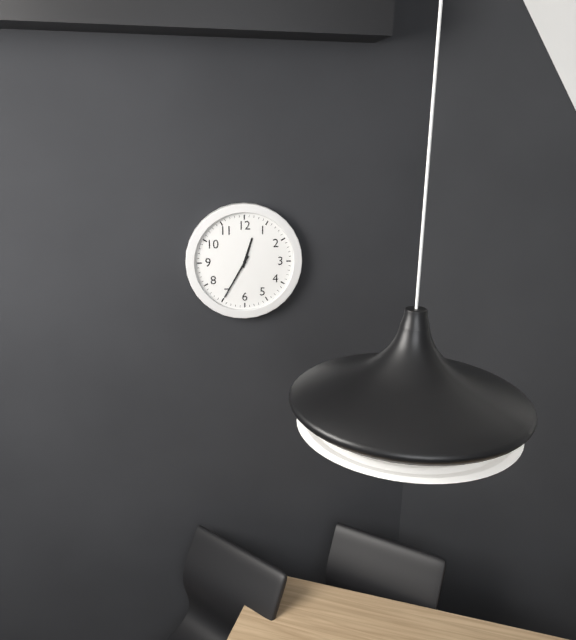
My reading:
{"hour": 12, "minute": 35}
